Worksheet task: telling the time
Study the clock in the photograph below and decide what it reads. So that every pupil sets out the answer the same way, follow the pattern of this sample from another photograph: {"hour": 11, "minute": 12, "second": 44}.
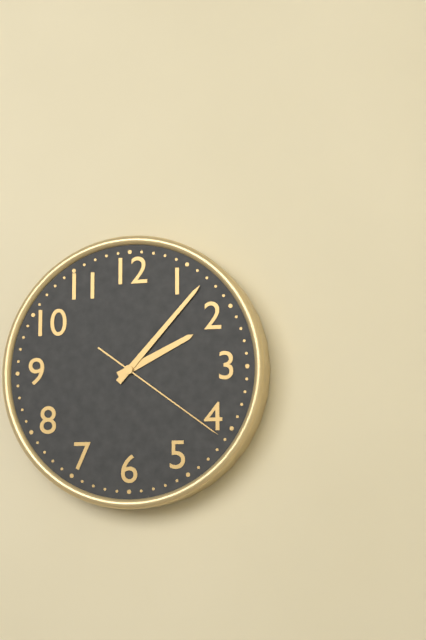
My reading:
{"hour": 2, "minute": 7, "second": 21}
